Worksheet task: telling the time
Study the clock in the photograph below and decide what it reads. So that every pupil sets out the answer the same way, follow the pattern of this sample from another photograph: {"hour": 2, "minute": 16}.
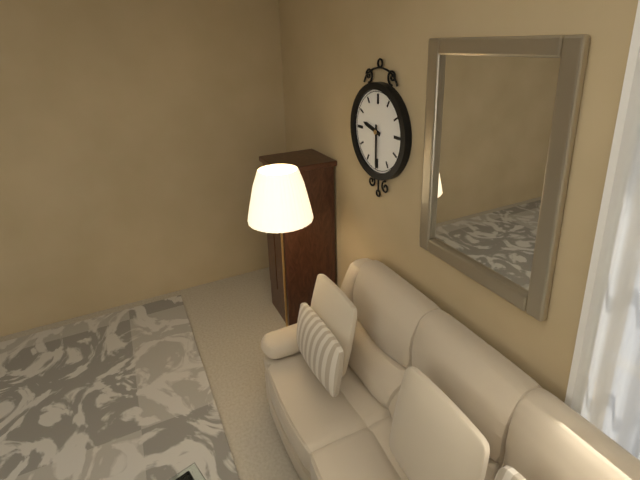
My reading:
{"hour": 9, "minute": 30}
